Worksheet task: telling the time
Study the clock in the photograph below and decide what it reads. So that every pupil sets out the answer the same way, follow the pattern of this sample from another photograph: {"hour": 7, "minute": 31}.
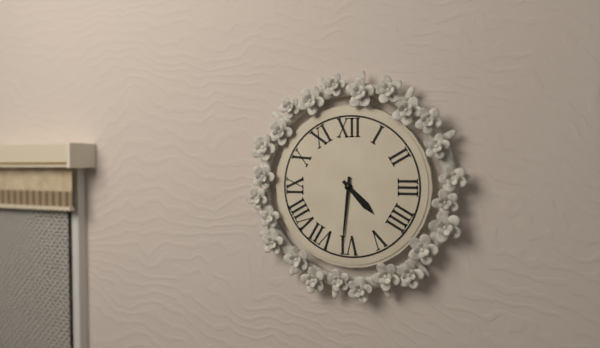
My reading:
{"hour": 4, "minute": 31}
